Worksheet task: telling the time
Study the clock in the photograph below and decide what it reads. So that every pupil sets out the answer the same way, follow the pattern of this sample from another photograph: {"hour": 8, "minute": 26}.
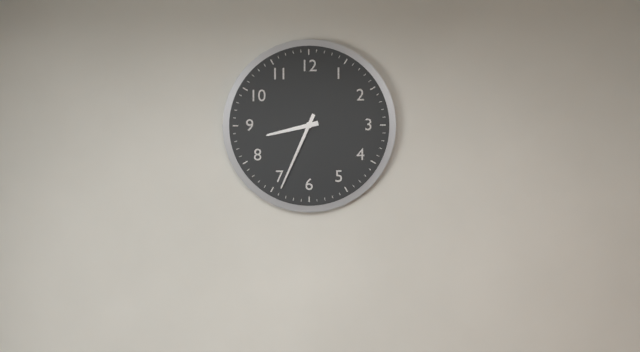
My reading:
{"hour": 8, "minute": 34}
